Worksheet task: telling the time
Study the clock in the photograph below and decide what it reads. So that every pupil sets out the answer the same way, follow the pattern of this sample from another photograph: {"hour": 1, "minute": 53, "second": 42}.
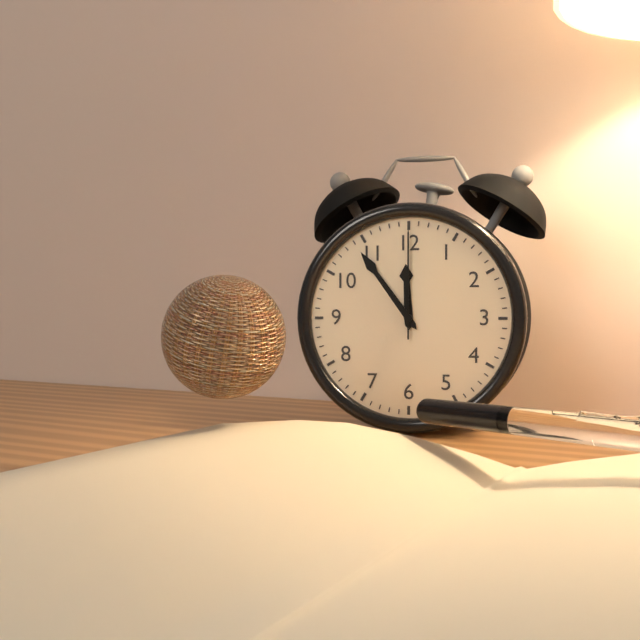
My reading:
{"hour": 11, "minute": 54, "second": 0}
